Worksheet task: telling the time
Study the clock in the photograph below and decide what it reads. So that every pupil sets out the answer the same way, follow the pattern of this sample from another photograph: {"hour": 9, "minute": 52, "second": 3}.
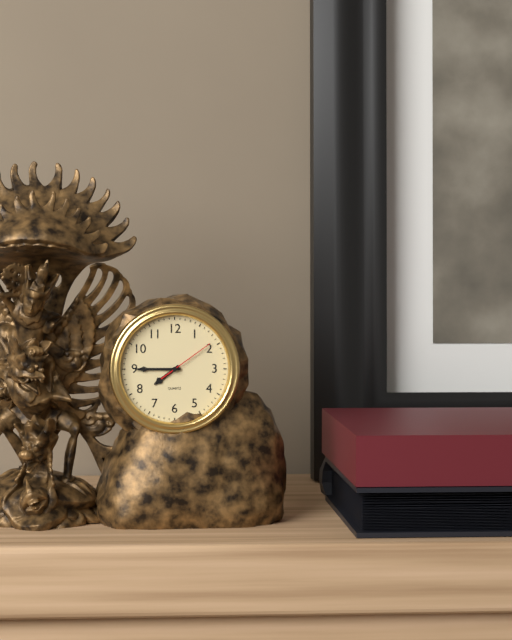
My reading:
{"hour": 7, "minute": 45, "second": 9}
